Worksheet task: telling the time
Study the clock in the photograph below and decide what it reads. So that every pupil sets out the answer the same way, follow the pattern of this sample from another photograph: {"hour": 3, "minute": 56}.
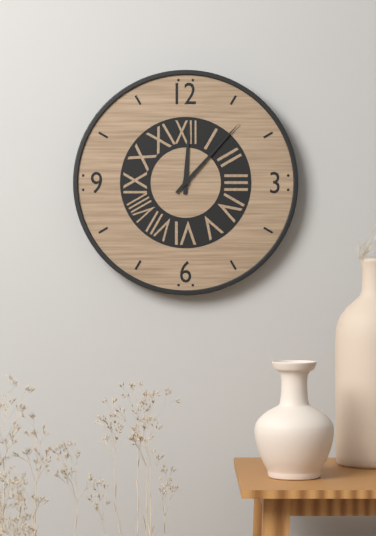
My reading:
{"hour": 12, "minute": 7}
